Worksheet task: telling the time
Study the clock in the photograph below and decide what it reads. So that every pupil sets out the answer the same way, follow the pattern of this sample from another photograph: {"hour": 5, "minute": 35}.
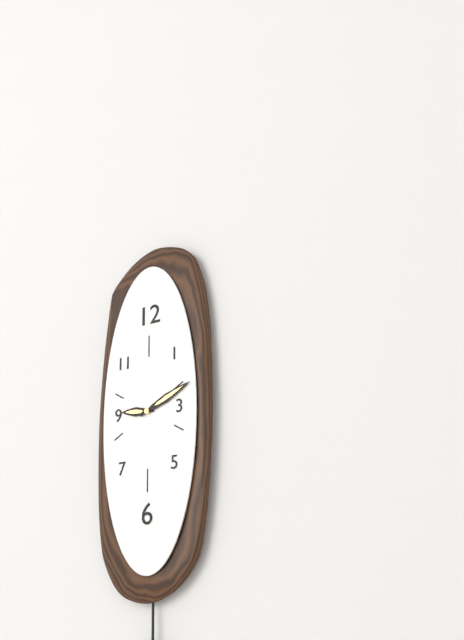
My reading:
{"hour": 9, "minute": 11}
